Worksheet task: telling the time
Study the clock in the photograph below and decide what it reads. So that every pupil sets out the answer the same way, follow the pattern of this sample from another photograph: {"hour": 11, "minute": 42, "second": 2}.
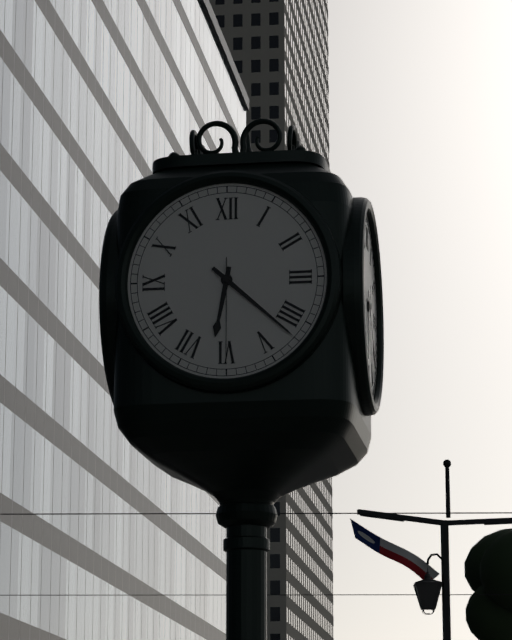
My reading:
{"hour": 6, "minute": 22, "second": 30}
